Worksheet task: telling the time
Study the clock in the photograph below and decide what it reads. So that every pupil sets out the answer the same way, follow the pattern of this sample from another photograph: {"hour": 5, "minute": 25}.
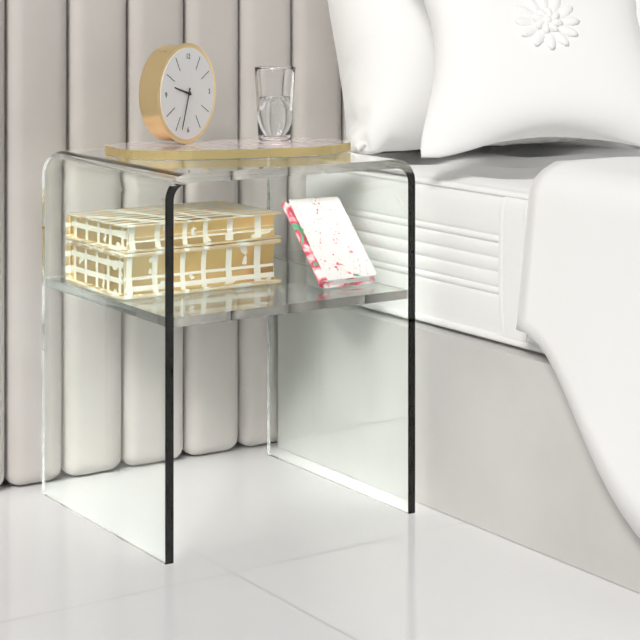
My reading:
{"hour": 9, "minute": 33}
